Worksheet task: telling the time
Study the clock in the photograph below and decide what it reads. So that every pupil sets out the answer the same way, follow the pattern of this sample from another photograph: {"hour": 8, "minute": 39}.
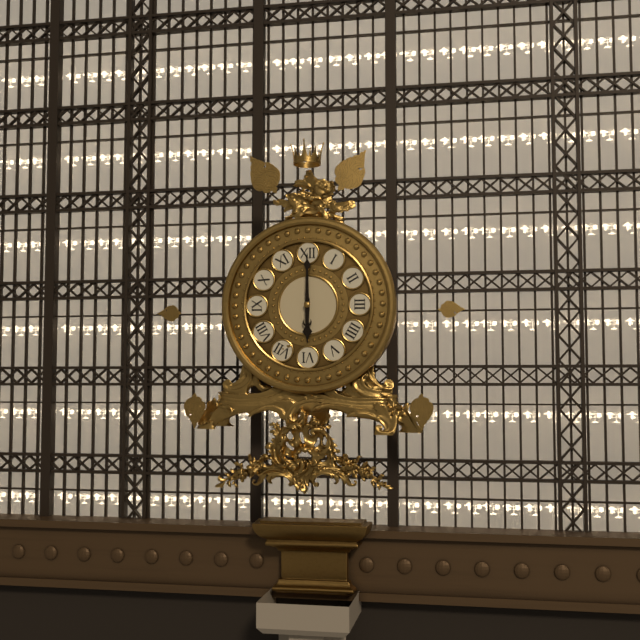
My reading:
{"hour": 6, "minute": 0}
